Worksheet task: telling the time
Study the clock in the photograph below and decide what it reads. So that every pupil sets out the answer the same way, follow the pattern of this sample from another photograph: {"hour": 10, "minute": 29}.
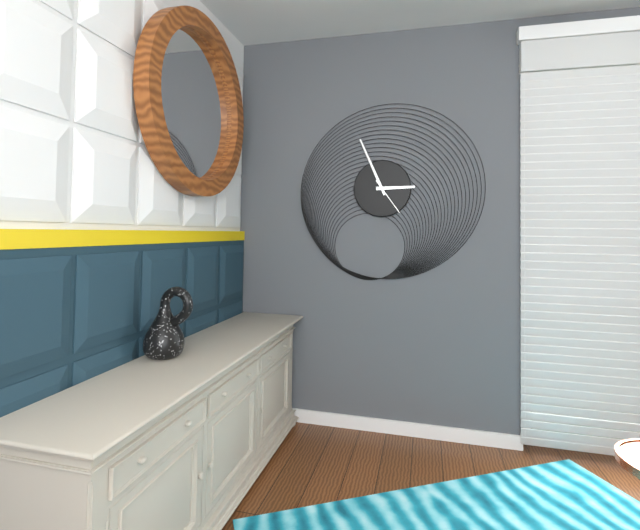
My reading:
{"hour": 2, "minute": 56}
